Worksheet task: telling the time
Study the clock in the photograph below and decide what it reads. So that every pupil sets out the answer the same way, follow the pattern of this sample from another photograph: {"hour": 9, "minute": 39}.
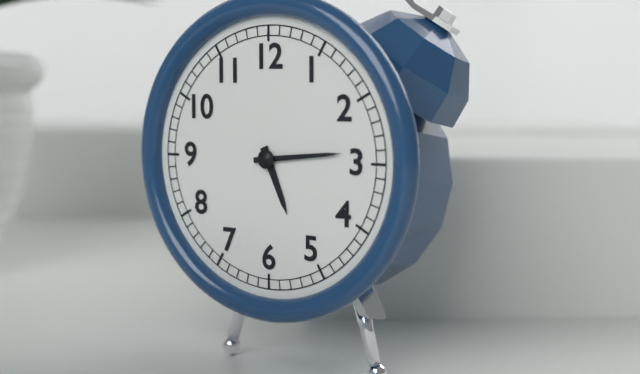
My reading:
{"hour": 5, "minute": 14}
